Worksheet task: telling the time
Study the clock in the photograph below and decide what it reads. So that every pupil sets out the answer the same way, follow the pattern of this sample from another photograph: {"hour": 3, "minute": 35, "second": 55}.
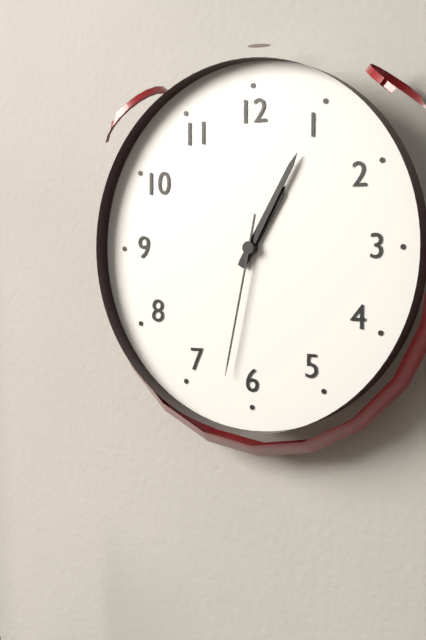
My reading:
{"hour": 1, "minute": 5, "second": 32}
